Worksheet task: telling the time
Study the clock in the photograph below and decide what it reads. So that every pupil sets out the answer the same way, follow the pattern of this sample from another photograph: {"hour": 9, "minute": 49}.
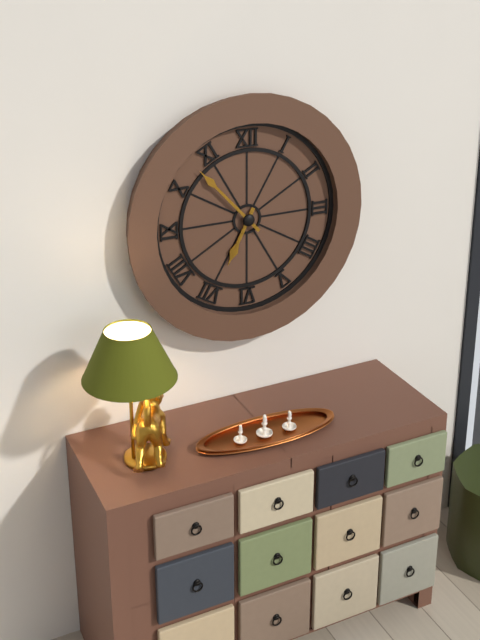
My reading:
{"hour": 6, "minute": 53}
